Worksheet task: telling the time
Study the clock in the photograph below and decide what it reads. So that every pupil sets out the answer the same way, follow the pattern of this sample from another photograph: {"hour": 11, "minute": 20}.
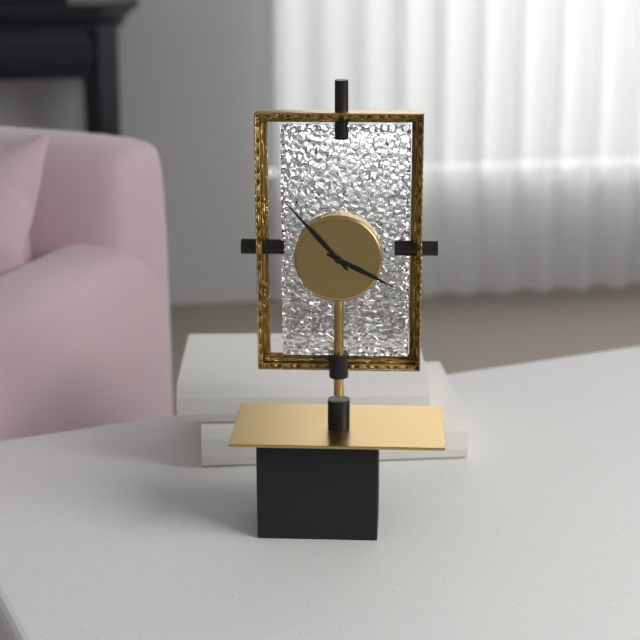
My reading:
{"hour": 3, "minute": 53}
